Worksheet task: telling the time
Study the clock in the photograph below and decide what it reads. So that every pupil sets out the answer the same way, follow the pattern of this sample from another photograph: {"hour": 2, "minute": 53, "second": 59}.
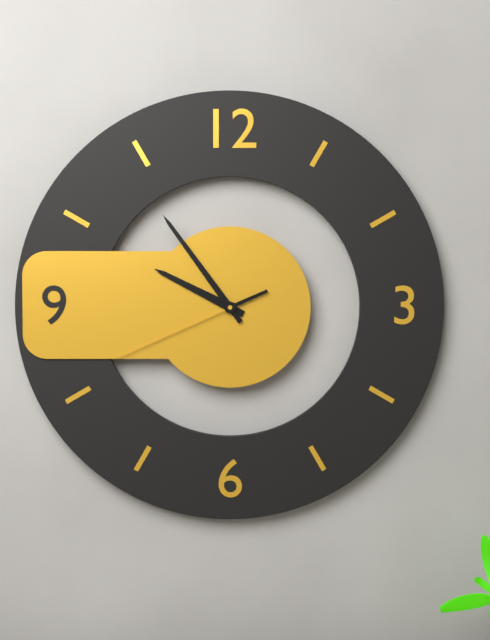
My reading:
{"hour": 9, "minute": 54, "second": 41}
